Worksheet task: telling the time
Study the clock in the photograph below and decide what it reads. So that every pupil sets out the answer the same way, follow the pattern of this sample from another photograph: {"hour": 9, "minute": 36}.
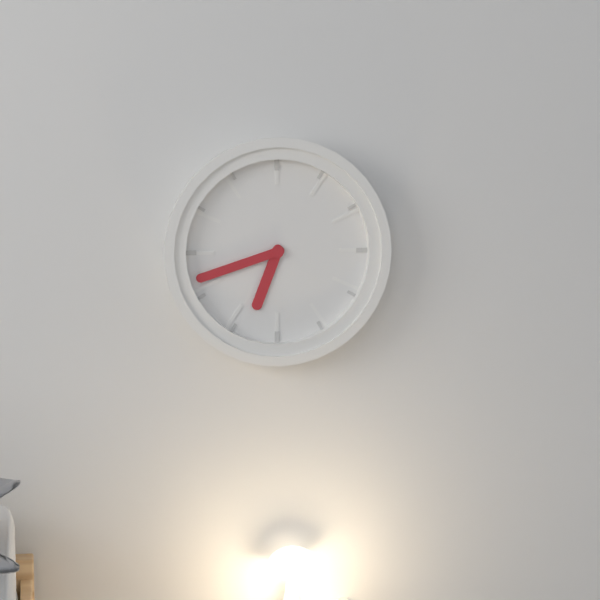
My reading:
{"hour": 6, "minute": 42}
